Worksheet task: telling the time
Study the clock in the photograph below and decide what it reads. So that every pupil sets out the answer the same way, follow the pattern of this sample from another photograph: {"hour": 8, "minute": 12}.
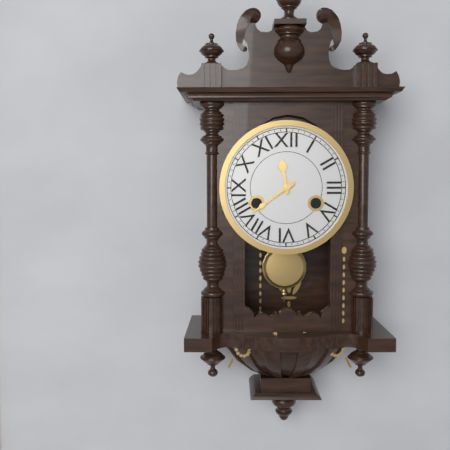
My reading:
{"hour": 11, "minute": 39}
